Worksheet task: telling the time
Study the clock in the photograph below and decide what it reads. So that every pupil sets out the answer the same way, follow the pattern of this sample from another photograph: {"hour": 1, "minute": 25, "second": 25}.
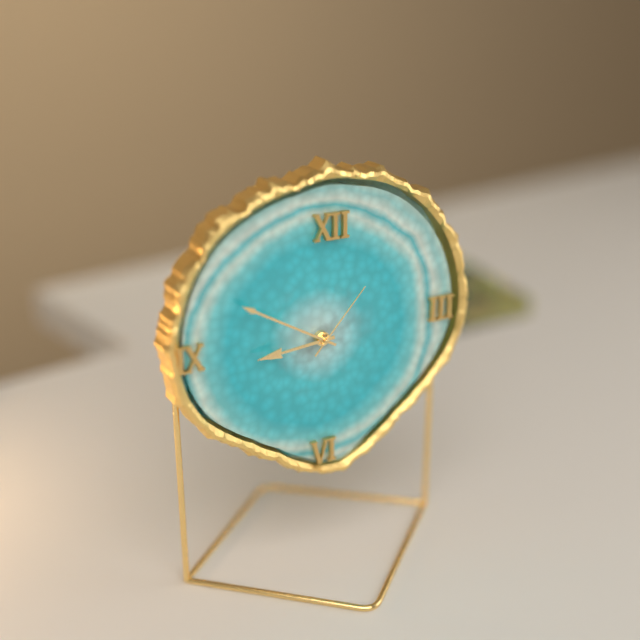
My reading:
{"hour": 8, "minute": 50, "second": 7}
